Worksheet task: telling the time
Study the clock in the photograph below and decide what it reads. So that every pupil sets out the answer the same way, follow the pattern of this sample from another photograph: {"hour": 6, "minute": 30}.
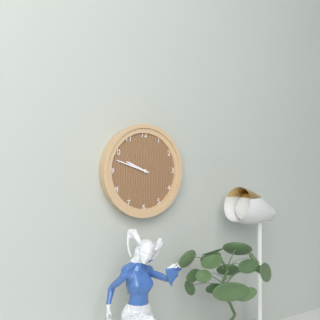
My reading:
{"hour": 9, "minute": 48}
